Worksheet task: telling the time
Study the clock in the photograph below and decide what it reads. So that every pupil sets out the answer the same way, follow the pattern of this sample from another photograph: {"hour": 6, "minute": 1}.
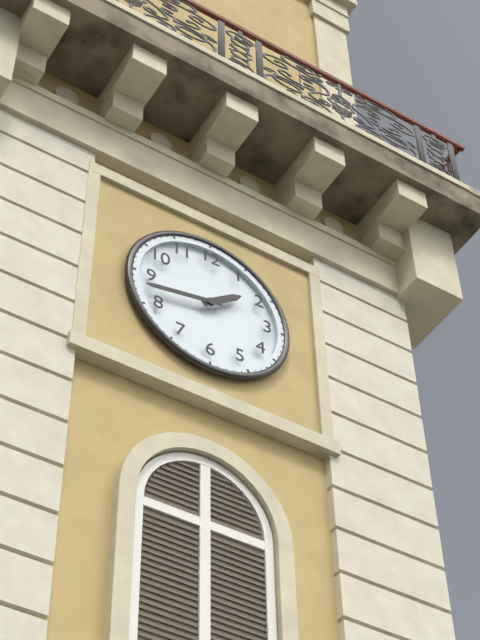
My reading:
{"hour": 1, "minute": 43}
